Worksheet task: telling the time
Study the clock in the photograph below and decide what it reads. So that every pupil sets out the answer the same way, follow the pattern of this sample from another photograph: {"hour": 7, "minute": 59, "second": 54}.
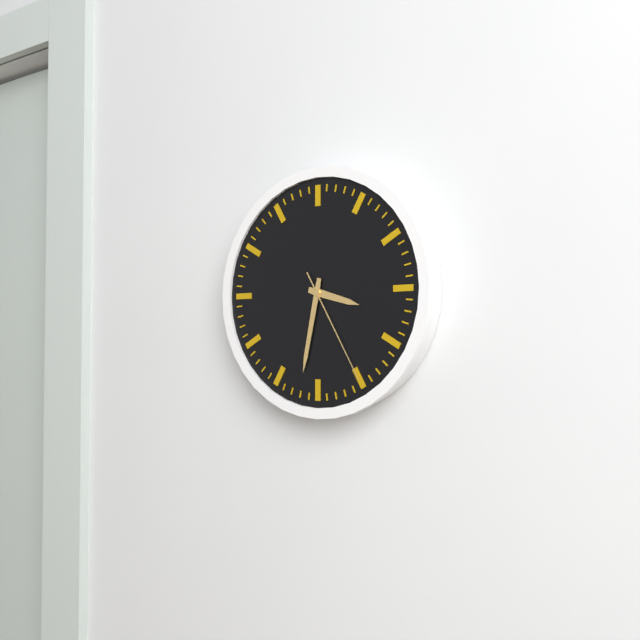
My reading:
{"hour": 3, "minute": 32, "second": 25}
